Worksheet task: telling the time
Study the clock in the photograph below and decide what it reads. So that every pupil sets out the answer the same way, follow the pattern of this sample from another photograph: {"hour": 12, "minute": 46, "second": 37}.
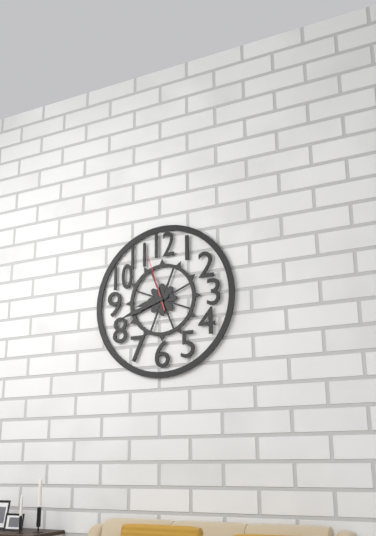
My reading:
{"hour": 8, "minute": 42, "second": 57}
